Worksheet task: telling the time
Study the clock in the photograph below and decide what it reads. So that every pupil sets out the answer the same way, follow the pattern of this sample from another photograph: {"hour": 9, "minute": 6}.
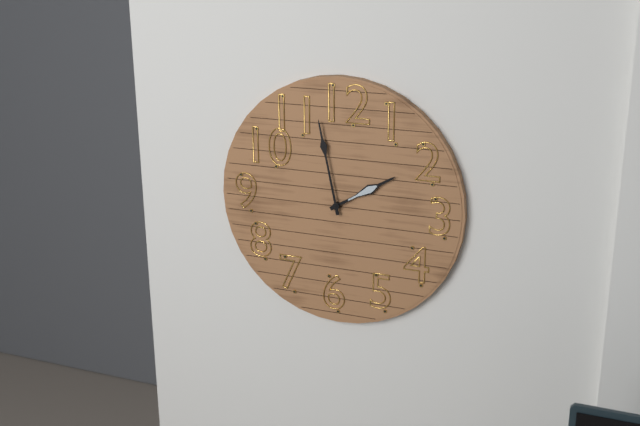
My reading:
{"hour": 1, "minute": 58}
